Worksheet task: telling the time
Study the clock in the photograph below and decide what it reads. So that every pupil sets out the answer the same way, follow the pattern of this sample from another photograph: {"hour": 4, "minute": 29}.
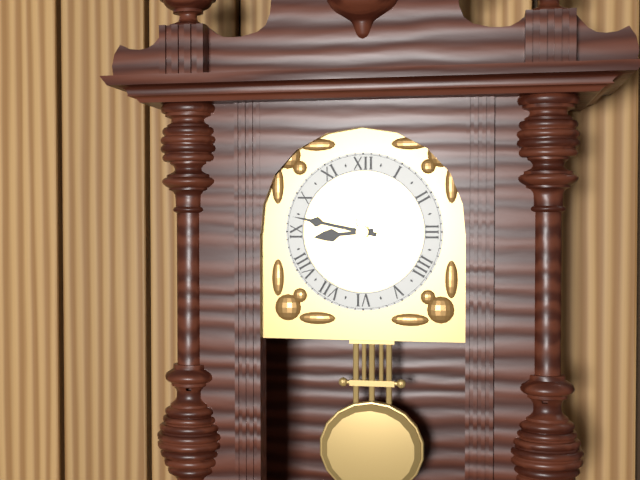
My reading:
{"hour": 8, "minute": 47}
